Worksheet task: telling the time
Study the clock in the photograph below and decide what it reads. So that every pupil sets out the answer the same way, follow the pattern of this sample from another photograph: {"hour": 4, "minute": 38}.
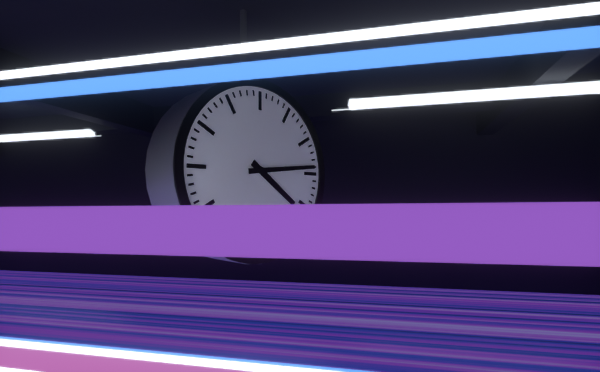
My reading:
{"hour": 4, "minute": 14}
